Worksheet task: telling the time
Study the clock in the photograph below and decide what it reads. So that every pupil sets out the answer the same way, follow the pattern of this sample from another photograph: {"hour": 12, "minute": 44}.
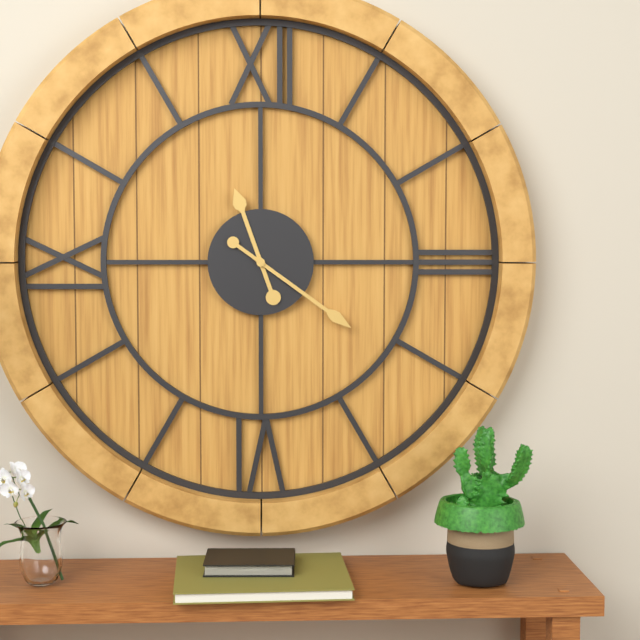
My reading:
{"hour": 11, "minute": 21}
